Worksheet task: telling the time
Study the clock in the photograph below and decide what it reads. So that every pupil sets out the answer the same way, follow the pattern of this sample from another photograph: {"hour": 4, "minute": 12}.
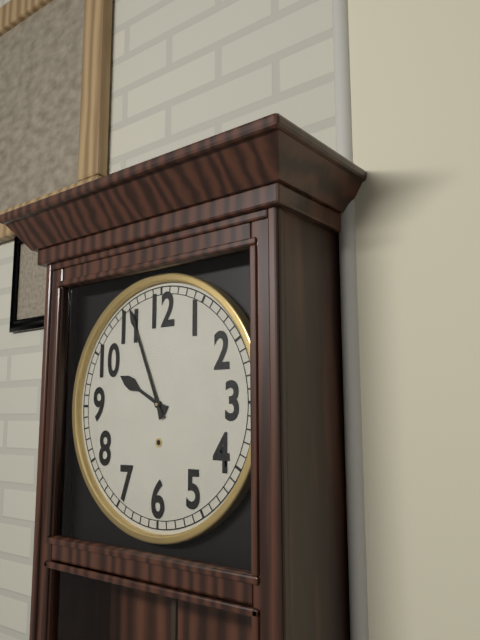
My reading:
{"hour": 9, "minute": 56}
